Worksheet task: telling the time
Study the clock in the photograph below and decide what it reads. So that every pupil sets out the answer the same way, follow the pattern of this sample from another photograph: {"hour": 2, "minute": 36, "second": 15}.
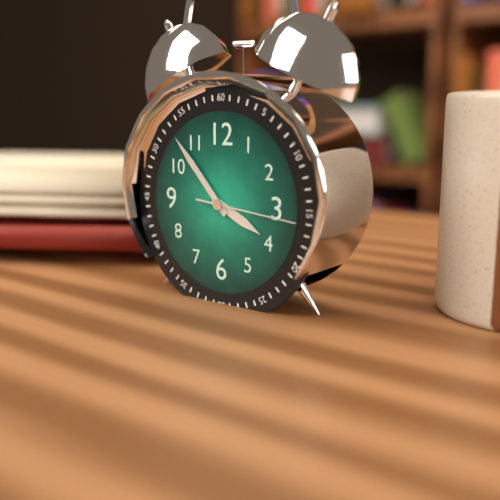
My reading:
{"hour": 3, "minute": 53, "second": 16}
